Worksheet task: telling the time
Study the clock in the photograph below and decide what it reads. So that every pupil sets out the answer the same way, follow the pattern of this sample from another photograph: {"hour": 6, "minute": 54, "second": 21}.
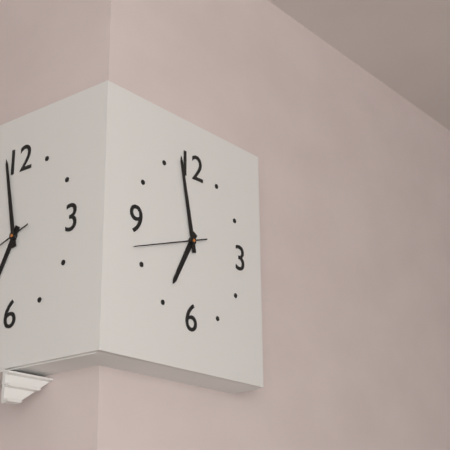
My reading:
{"hour": 6, "minute": 58, "second": 42}
